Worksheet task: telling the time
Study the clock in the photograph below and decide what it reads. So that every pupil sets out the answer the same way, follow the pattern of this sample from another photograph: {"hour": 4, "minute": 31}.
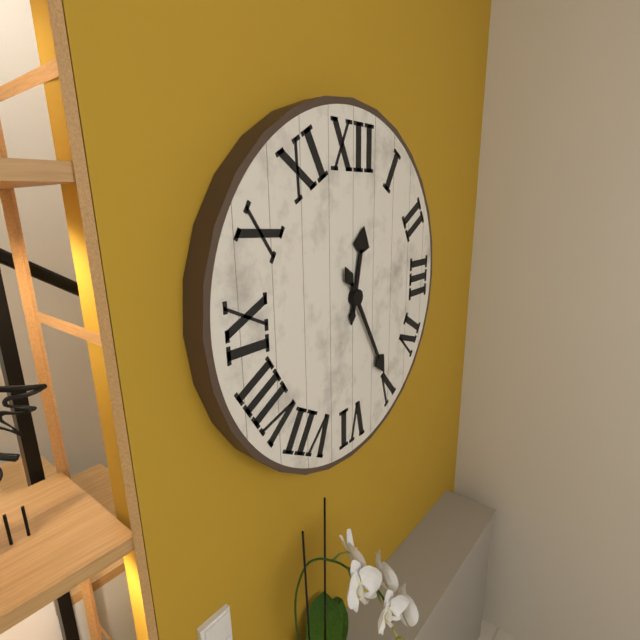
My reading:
{"hour": 12, "minute": 25}
